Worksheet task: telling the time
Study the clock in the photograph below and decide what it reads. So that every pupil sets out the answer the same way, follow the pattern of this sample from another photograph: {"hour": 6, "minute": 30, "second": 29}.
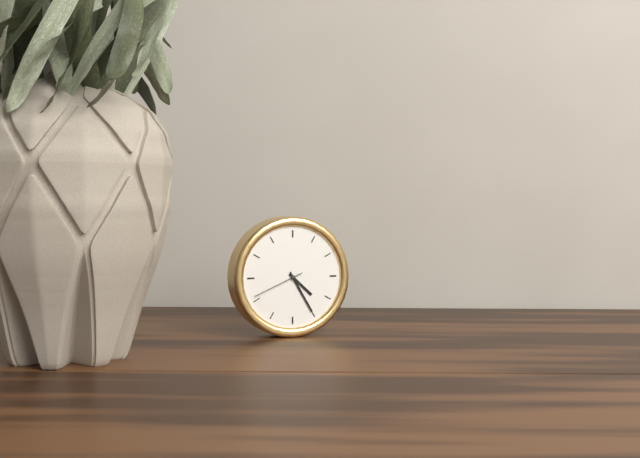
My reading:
{"hour": 4, "minute": 25, "second": 41}
